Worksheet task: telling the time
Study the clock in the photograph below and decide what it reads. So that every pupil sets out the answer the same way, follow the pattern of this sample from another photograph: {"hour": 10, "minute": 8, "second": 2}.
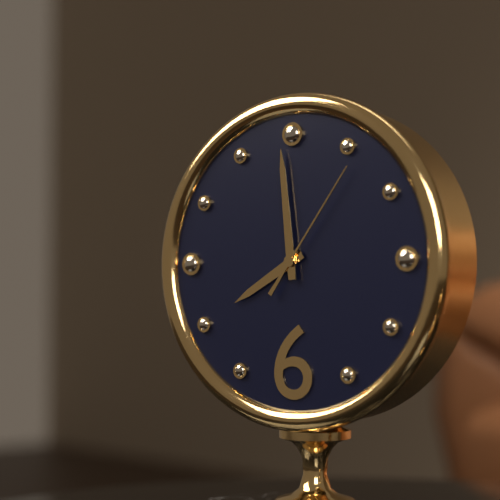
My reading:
{"hour": 7, "minute": 59, "second": 6}
